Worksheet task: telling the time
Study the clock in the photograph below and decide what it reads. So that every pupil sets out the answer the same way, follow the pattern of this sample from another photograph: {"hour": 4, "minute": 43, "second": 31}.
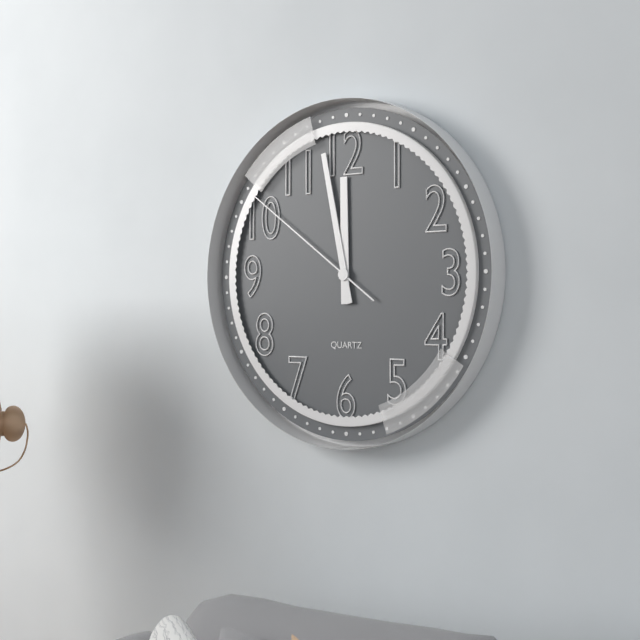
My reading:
{"hour": 11, "minute": 58, "second": 51}
